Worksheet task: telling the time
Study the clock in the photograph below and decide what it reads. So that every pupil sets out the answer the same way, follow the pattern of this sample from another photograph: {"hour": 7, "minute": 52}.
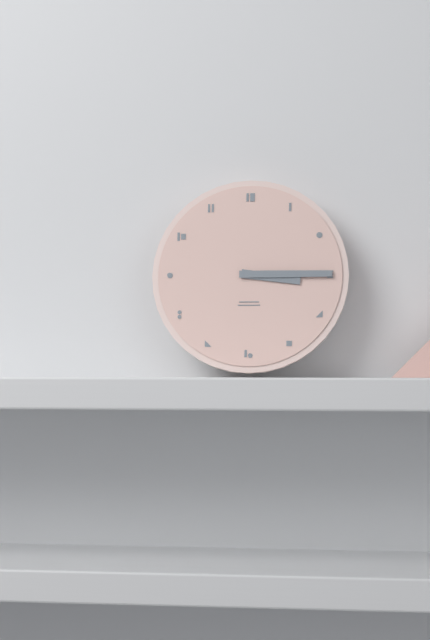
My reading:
{"hour": 3, "minute": 15}
